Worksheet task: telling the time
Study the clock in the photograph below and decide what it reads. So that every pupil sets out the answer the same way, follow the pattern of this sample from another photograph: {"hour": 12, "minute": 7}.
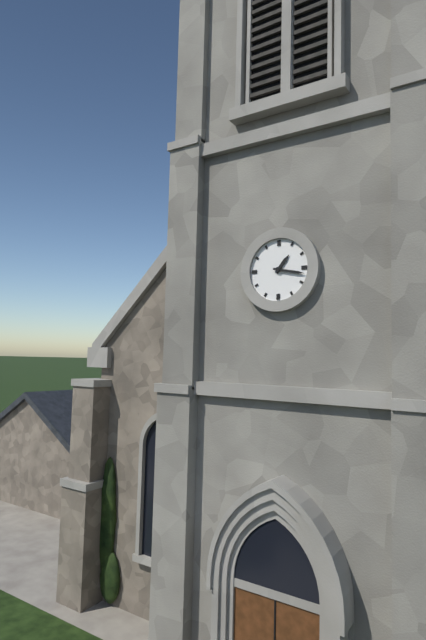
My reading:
{"hour": 1, "minute": 17}
